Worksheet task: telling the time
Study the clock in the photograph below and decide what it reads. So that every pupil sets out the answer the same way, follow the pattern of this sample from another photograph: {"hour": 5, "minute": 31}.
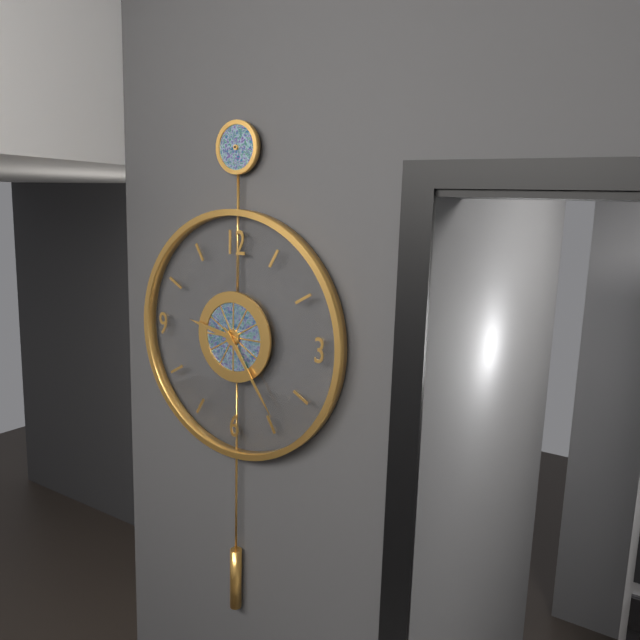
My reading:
{"hour": 9, "minute": 24}
